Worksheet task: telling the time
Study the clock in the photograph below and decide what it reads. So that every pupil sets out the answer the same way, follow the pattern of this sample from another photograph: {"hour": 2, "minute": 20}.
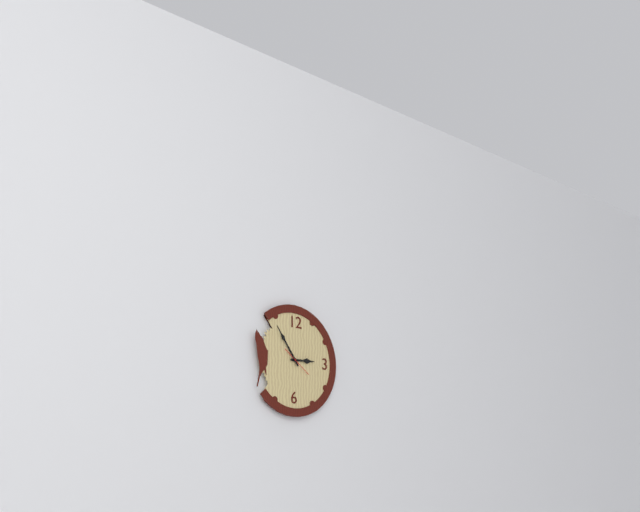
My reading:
{"hour": 2, "minute": 54}
